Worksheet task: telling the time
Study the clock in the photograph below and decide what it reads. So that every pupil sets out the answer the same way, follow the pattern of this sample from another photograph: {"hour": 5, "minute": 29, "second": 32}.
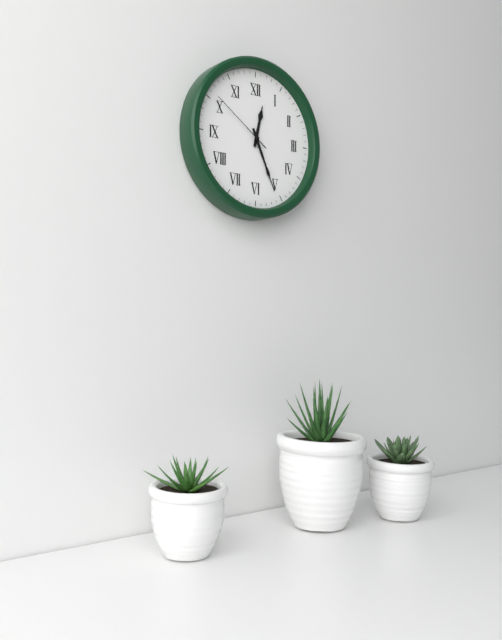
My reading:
{"hour": 12, "minute": 26, "second": 51}
